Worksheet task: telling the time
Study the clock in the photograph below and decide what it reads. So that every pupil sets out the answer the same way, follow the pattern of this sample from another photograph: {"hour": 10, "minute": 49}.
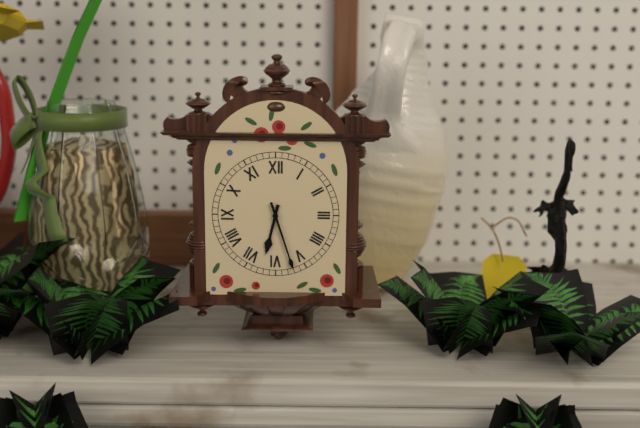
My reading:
{"hour": 6, "minute": 27}
